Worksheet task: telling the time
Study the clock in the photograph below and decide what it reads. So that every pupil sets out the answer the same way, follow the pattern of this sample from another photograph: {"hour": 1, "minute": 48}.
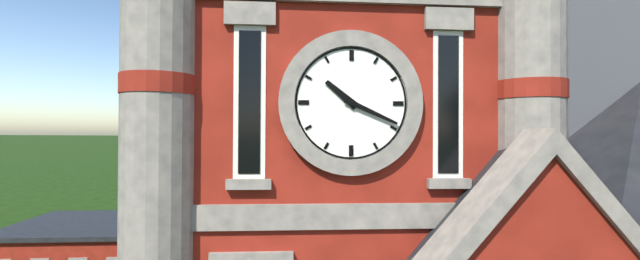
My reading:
{"hour": 10, "minute": 19}
